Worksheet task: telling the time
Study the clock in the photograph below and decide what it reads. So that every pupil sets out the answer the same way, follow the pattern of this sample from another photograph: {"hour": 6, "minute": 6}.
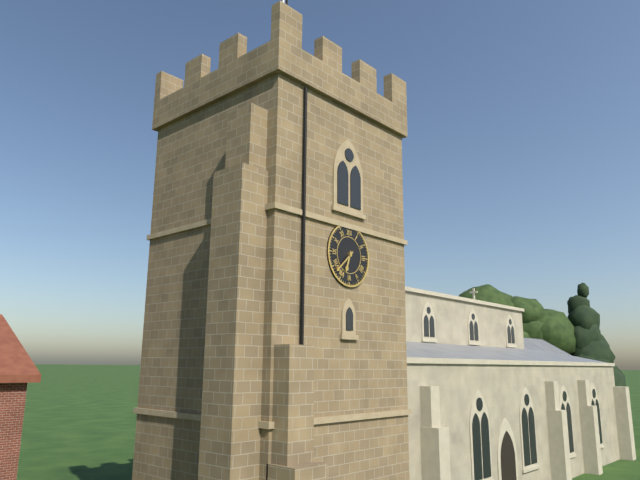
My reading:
{"hour": 6, "minute": 38}
